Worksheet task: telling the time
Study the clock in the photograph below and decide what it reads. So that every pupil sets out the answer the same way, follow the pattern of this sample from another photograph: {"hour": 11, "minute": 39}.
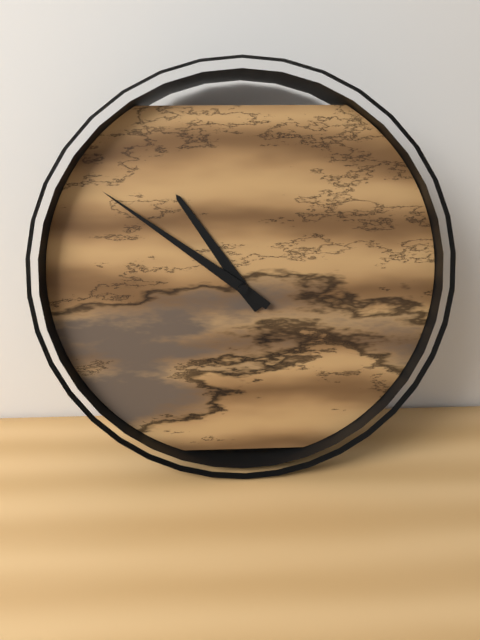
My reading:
{"hour": 10, "minute": 51}
